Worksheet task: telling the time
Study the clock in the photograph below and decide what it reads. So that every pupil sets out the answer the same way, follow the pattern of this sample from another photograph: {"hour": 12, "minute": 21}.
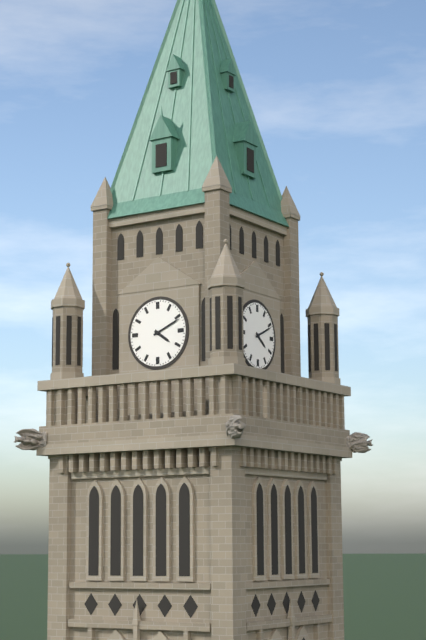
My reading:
{"hour": 4, "minute": 11}
